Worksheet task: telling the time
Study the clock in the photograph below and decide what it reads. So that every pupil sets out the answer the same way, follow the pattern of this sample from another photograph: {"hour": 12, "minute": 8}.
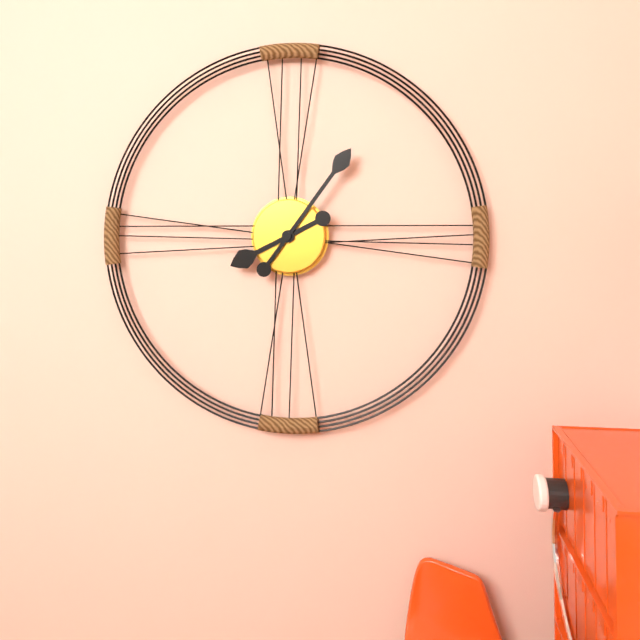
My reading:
{"hour": 8, "minute": 6}
